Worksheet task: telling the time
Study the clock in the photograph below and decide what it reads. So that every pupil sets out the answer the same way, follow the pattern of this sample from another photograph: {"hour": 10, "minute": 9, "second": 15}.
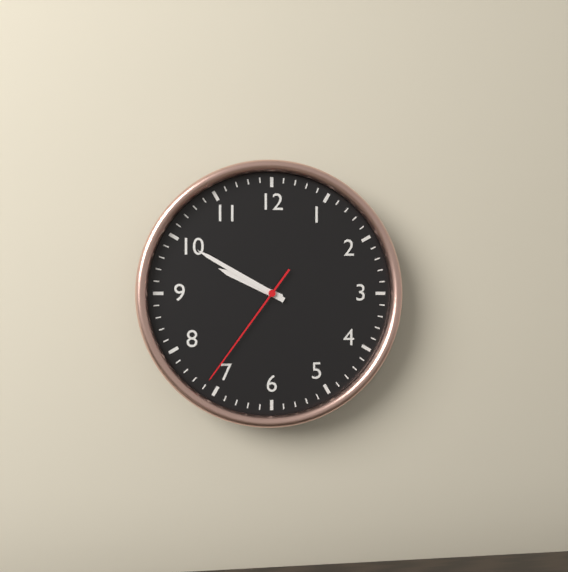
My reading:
{"hour": 9, "minute": 50, "second": 36}
